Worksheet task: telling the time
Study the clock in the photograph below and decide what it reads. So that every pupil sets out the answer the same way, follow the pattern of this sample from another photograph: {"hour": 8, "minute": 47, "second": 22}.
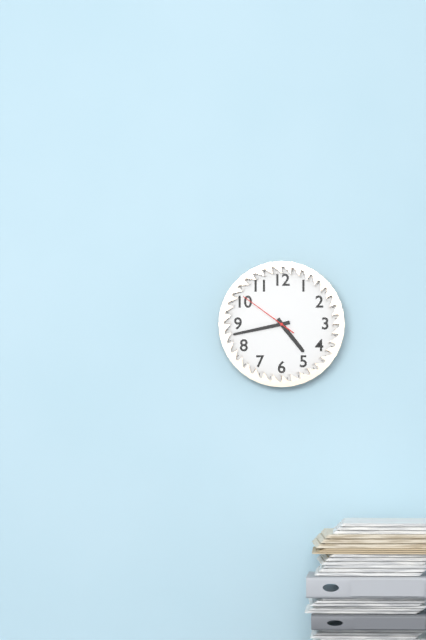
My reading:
{"hour": 4, "minute": 43, "second": 51}
